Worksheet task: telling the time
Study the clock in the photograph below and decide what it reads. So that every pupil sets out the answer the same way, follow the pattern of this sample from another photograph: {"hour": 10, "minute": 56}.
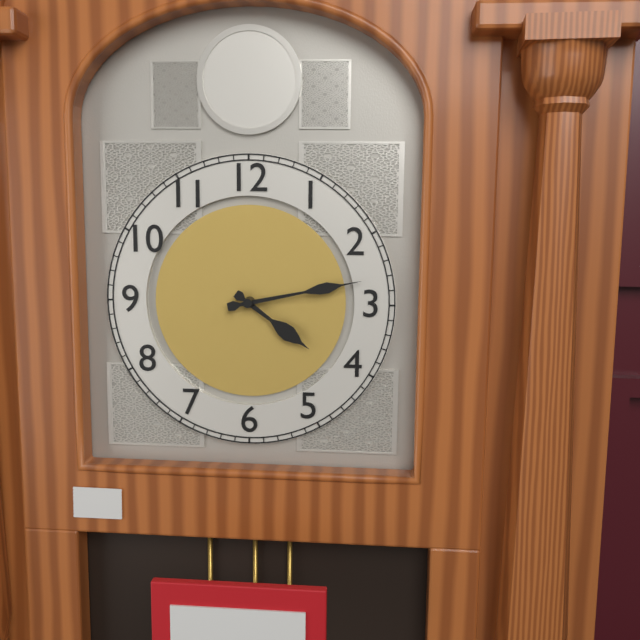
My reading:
{"hour": 4, "minute": 13}
